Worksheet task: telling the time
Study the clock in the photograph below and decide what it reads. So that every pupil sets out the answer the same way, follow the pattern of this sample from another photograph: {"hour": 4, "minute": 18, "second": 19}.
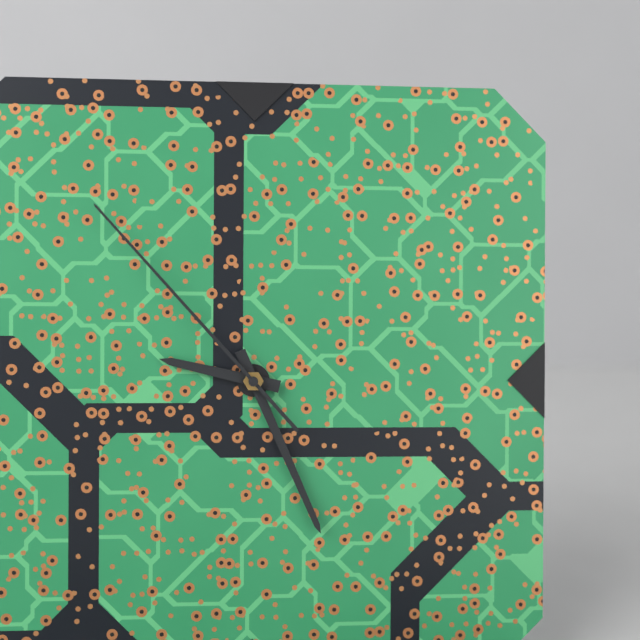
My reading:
{"hour": 9, "minute": 26, "second": 53}
